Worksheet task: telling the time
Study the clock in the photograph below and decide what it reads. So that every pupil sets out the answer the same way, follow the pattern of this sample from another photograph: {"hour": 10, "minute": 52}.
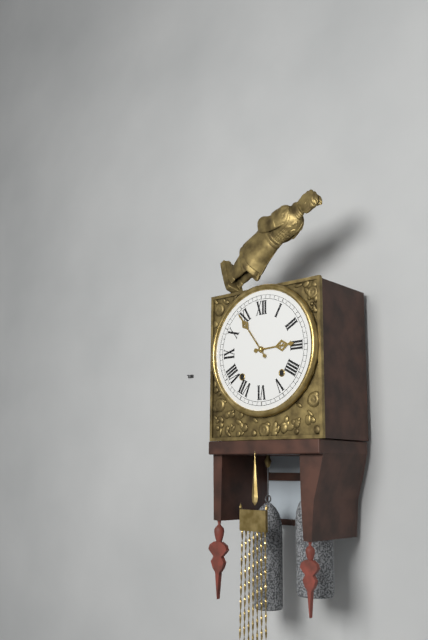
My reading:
{"hour": 2, "minute": 54}
